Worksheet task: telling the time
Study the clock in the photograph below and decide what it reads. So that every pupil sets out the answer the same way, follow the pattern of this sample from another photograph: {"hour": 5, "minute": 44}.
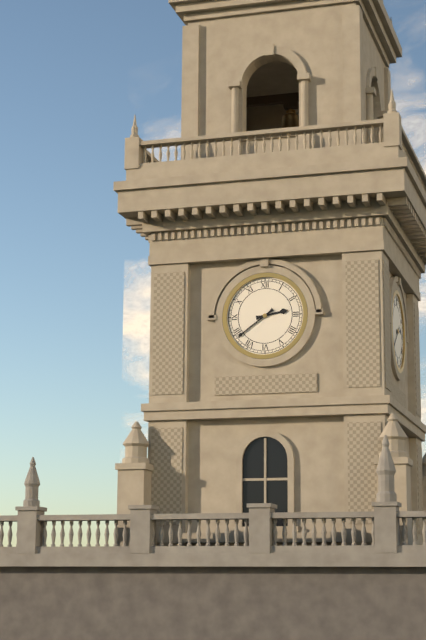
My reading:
{"hour": 2, "minute": 39}
